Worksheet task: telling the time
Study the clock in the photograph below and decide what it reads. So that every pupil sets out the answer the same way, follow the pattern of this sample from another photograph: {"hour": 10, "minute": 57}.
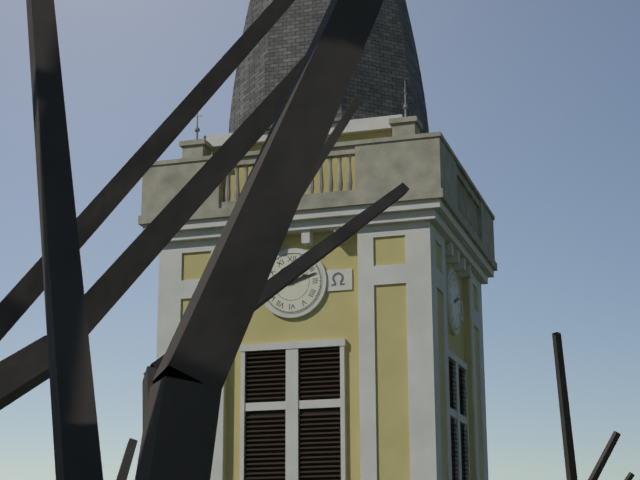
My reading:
{"hour": 2, "minute": 12}
